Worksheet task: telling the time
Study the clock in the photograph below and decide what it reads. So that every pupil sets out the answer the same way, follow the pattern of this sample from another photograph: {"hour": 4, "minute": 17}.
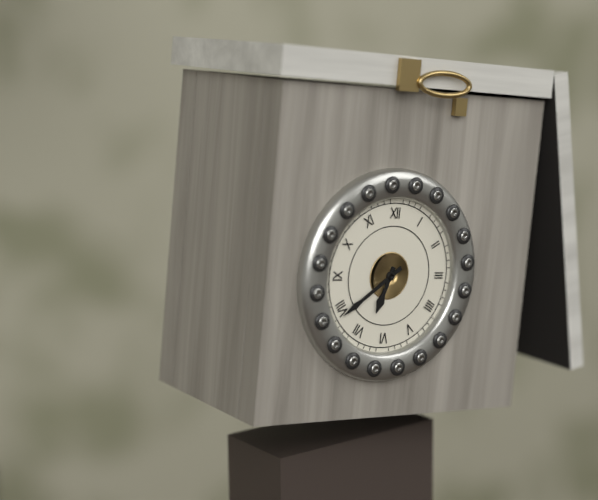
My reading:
{"hour": 6, "minute": 39}
